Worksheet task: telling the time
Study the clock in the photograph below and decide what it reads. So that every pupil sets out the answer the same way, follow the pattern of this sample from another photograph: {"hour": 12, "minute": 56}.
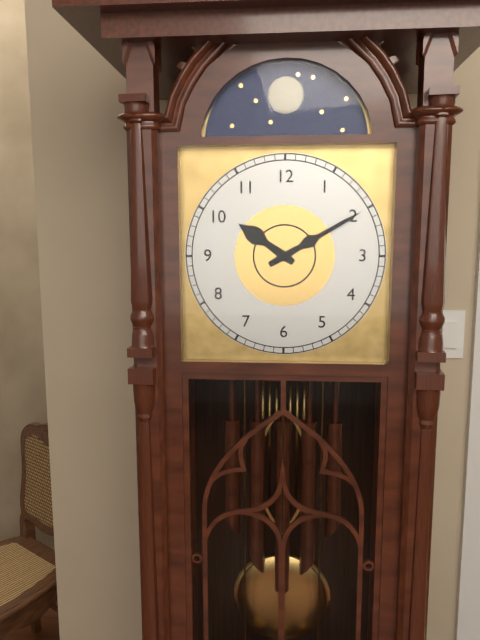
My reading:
{"hour": 10, "minute": 10}
